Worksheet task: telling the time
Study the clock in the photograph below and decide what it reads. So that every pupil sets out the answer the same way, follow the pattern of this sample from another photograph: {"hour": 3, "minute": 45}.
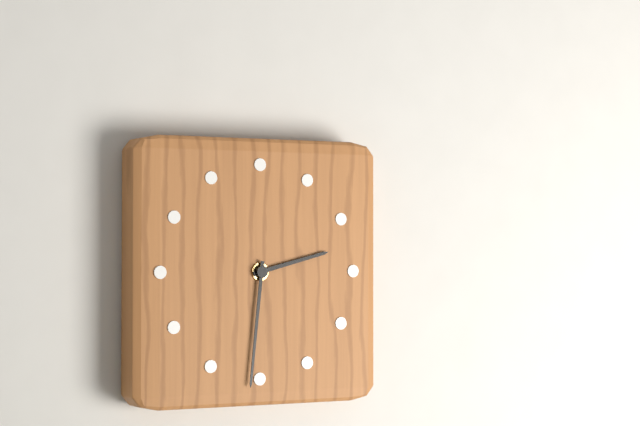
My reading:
{"hour": 2, "minute": 31}
